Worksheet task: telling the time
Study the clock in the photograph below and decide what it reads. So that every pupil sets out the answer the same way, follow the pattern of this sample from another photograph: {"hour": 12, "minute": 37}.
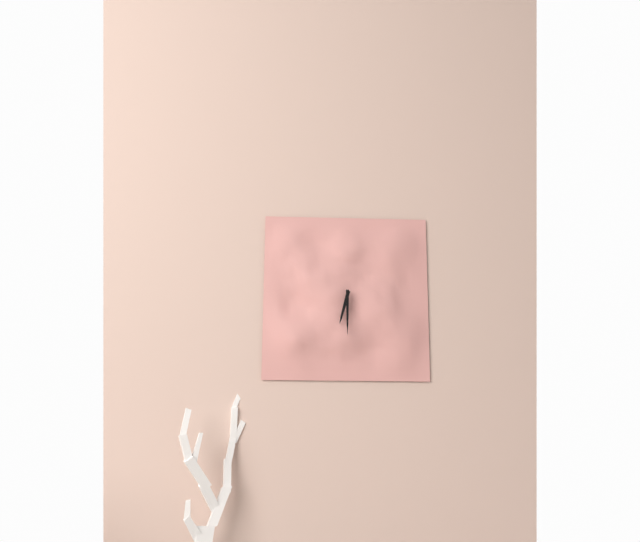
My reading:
{"hour": 6, "minute": 30}
